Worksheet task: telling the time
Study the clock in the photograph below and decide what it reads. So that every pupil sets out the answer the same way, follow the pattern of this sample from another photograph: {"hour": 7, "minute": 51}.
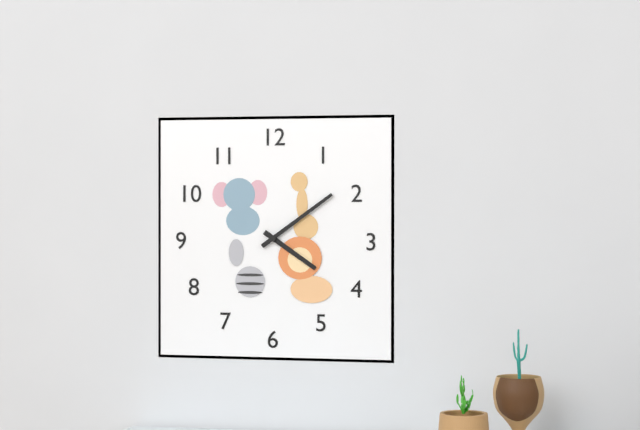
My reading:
{"hour": 4, "minute": 9}
